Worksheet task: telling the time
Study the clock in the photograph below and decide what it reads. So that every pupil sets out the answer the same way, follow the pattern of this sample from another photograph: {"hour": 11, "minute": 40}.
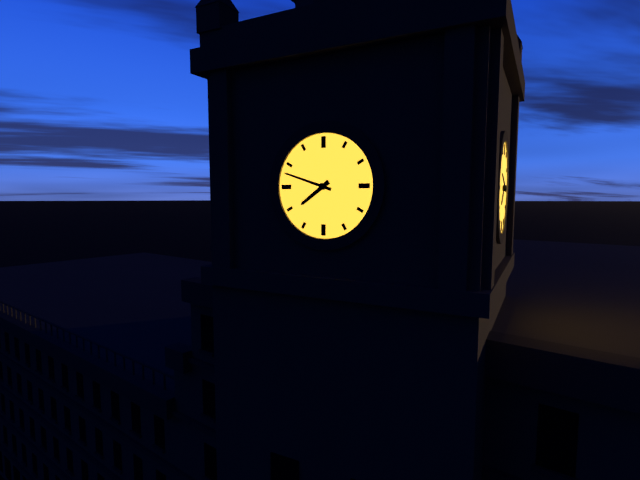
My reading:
{"hour": 7, "minute": 48}
